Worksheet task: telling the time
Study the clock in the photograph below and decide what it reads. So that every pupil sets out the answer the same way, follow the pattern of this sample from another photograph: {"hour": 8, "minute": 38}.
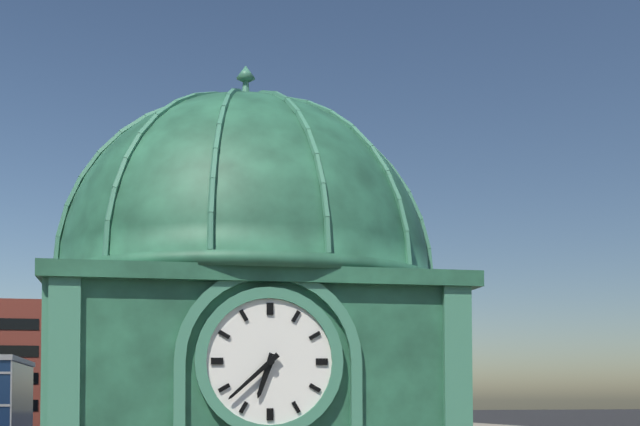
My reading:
{"hour": 6, "minute": 38}
